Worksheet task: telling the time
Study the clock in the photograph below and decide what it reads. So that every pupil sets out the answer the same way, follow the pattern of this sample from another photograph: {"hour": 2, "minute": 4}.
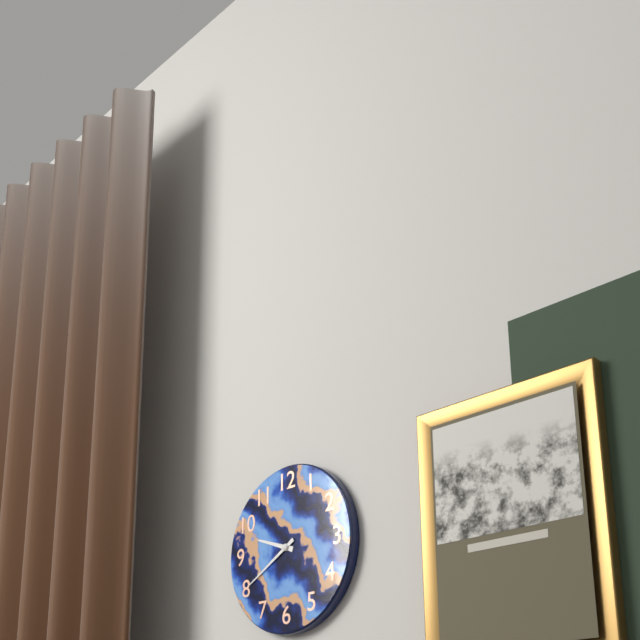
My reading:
{"hour": 9, "minute": 40}
